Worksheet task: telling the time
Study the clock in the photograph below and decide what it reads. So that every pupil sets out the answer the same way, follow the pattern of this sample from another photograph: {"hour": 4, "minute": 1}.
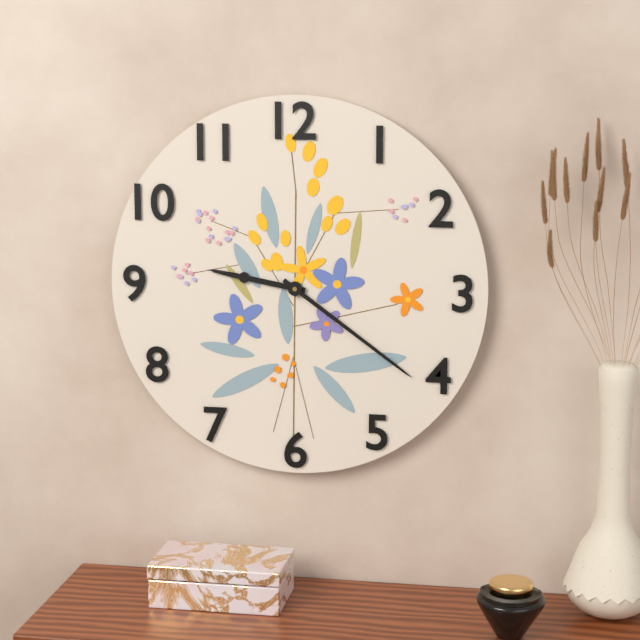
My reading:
{"hour": 9, "minute": 21}
